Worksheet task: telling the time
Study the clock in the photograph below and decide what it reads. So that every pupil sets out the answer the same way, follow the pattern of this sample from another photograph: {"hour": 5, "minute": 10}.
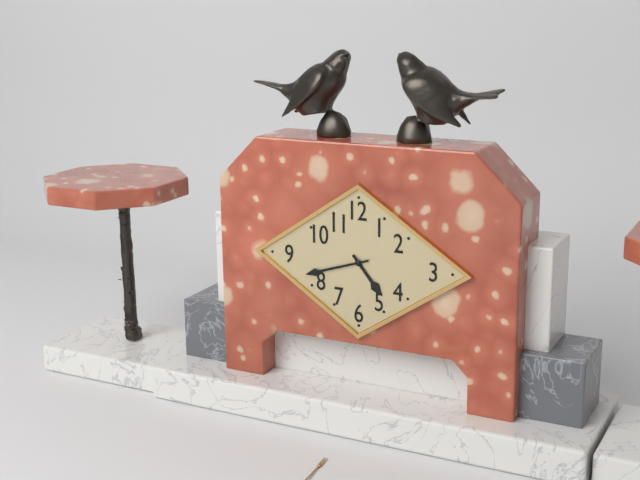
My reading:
{"hour": 4, "minute": 42}
